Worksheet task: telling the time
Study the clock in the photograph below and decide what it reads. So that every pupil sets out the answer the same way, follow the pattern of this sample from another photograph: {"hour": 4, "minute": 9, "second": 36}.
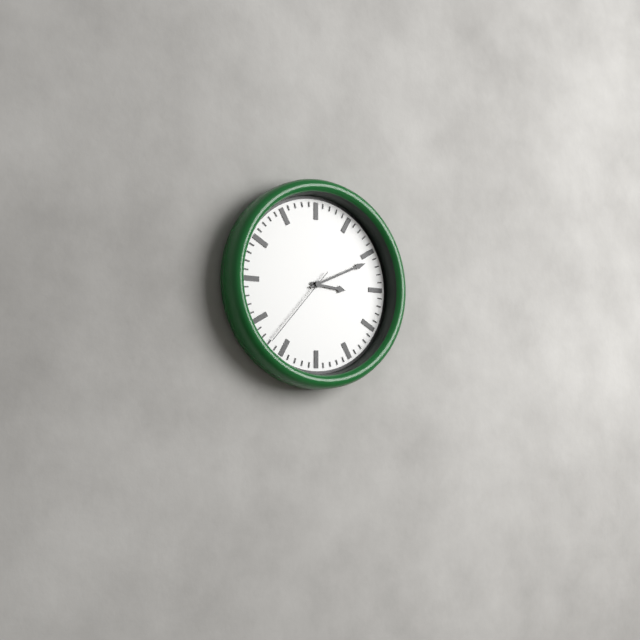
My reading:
{"hour": 3, "minute": 11, "second": 37}
